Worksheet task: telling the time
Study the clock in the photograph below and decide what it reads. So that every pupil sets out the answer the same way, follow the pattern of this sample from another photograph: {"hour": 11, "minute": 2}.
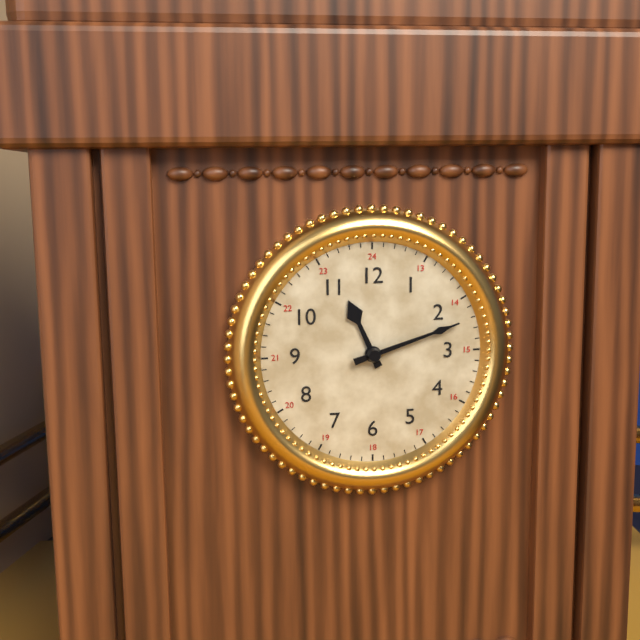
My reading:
{"hour": 11, "minute": 12}
